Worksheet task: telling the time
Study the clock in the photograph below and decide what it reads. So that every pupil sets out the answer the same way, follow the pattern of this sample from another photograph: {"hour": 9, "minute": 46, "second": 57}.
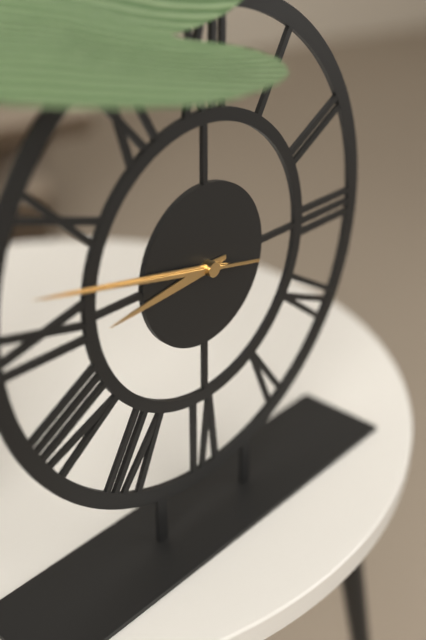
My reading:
{"hour": 8, "minute": 47, "second": 47}
